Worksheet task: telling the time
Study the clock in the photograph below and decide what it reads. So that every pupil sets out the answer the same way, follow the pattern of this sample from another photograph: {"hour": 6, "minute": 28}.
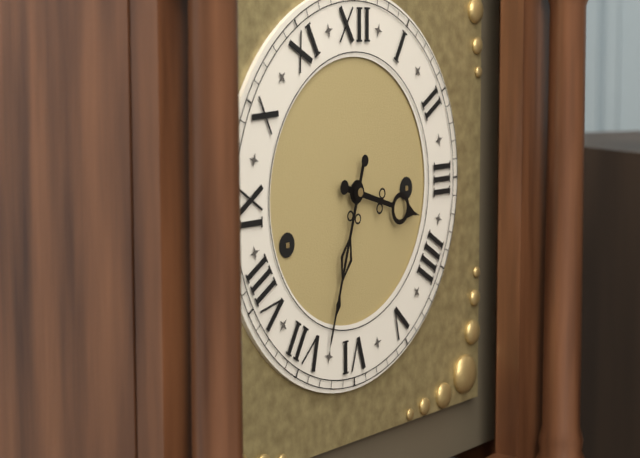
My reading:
{"hour": 3, "minute": 33}
